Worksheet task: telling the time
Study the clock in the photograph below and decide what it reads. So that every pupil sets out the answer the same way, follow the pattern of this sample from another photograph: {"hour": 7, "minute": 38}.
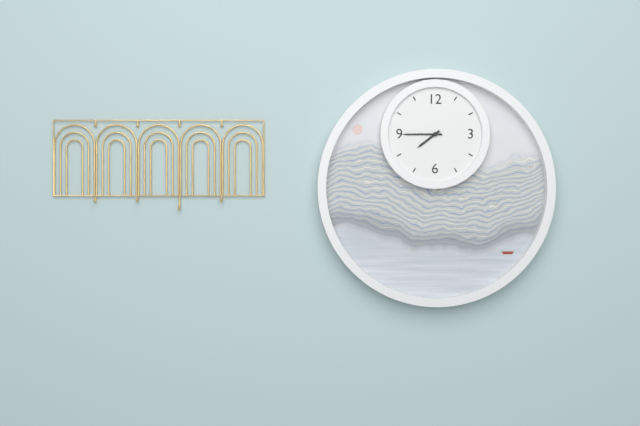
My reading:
{"hour": 7, "minute": 45}
